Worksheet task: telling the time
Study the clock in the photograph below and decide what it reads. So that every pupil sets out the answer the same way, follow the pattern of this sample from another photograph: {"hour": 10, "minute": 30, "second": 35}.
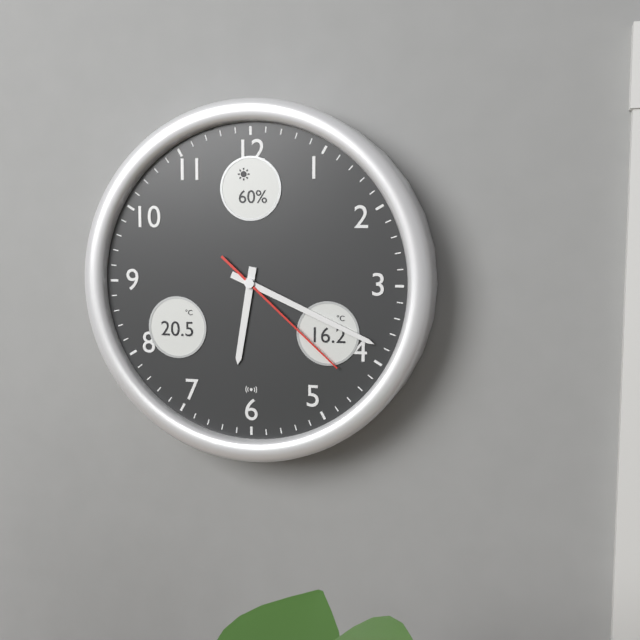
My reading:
{"hour": 6, "minute": 19, "second": 22}
